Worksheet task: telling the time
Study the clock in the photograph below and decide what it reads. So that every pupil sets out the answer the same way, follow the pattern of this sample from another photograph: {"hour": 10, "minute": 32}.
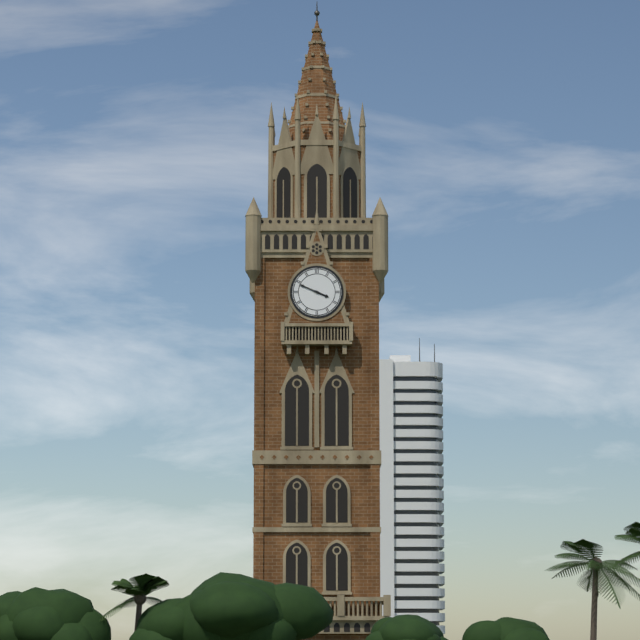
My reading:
{"hour": 3, "minute": 49}
